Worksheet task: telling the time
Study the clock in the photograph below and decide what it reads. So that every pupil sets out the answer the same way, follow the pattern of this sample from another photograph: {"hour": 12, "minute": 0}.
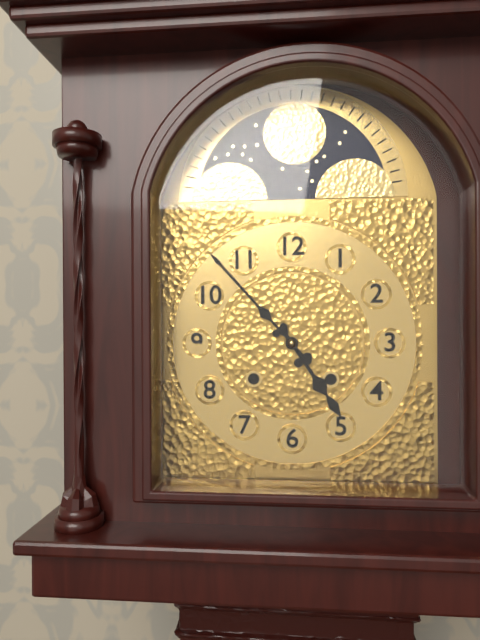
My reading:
{"hour": 4, "minute": 53}
